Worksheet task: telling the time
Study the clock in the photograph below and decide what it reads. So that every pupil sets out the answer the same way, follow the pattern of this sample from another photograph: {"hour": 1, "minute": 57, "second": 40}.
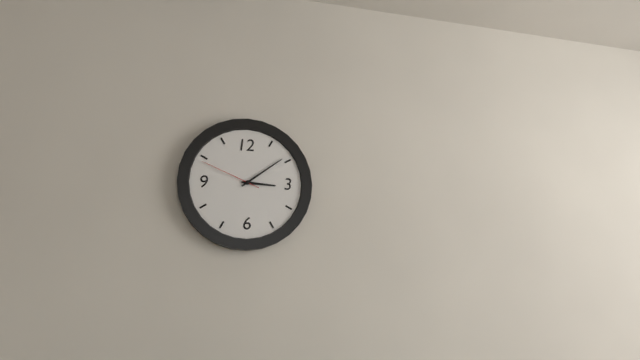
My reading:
{"hour": 3, "minute": 9, "second": 49}
